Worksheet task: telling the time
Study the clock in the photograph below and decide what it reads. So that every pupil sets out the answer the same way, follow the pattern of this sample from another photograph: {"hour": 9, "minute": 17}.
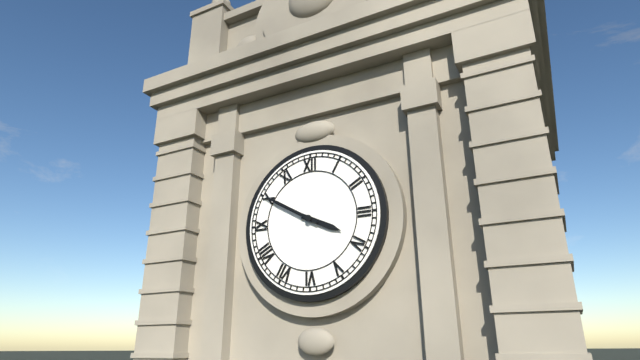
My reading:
{"hour": 3, "minute": 50}
